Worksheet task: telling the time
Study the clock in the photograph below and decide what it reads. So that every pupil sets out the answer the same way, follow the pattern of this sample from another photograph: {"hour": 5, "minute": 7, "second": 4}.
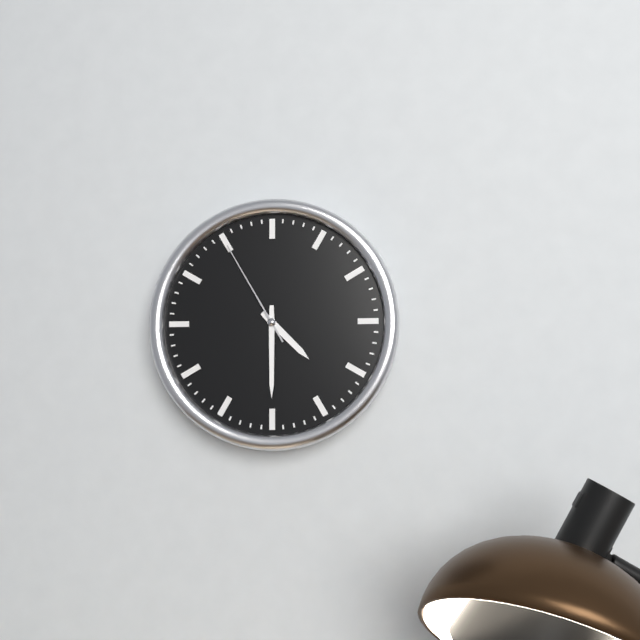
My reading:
{"hour": 4, "minute": 30, "second": 55}
